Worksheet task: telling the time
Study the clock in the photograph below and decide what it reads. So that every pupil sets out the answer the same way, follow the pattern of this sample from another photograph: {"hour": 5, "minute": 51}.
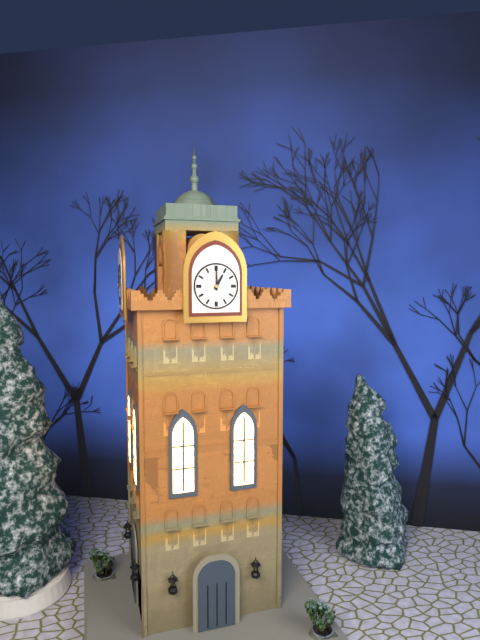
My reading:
{"hour": 1, "minute": 0}
